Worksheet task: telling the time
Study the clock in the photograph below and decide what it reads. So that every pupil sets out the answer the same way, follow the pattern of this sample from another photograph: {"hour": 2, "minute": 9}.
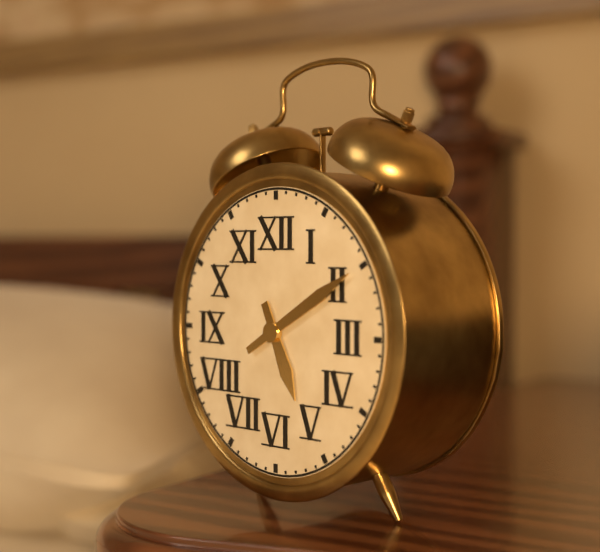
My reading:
{"hour": 5, "minute": 10}
